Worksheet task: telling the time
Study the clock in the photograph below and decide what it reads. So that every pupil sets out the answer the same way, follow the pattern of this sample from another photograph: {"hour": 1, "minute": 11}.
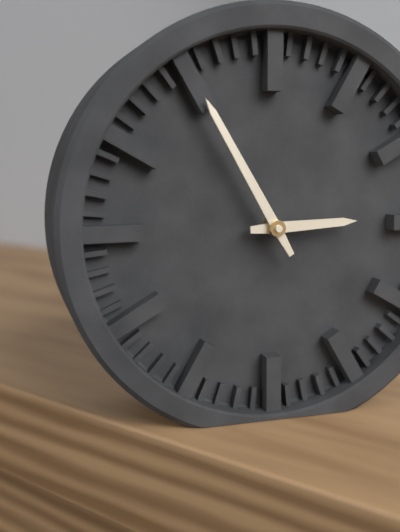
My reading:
{"hour": 2, "minute": 55}
